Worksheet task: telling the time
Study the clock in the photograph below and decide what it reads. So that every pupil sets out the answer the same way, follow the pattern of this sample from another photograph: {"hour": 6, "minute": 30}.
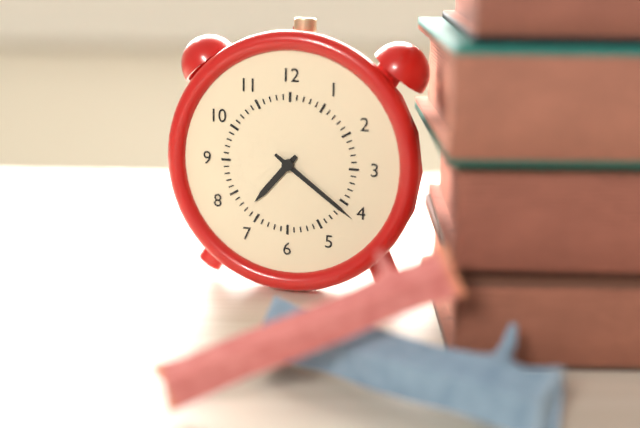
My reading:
{"hour": 7, "minute": 21}
